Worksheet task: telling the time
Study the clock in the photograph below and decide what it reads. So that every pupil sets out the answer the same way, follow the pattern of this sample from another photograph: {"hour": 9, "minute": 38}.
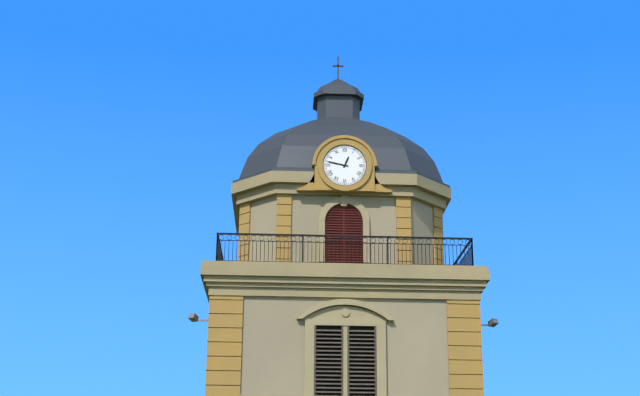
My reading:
{"hour": 12, "minute": 47}
